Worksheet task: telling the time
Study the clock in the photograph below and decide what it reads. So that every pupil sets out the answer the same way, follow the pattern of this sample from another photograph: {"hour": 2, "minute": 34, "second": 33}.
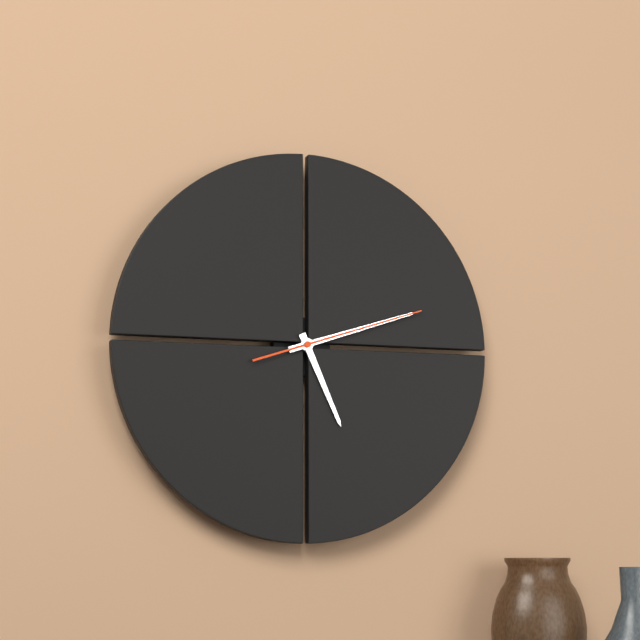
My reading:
{"hour": 5, "minute": 12, "second": 12}
